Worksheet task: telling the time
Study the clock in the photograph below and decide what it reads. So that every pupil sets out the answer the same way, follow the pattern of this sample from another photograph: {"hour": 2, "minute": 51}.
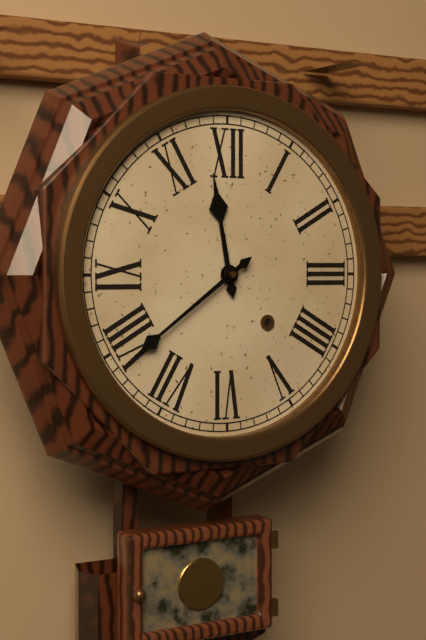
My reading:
{"hour": 11, "minute": 39}
